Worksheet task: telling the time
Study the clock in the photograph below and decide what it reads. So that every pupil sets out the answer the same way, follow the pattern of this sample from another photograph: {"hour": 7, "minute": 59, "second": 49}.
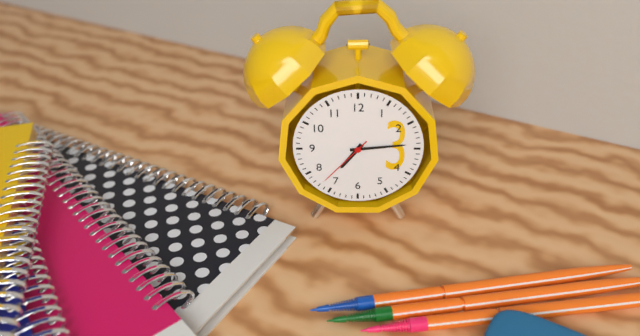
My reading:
{"hour": 7, "minute": 14, "second": 37}
